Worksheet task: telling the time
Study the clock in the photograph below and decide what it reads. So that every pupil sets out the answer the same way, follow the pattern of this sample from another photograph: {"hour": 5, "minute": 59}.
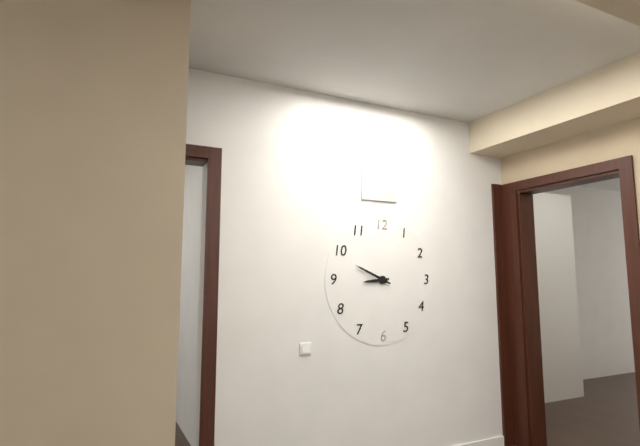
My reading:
{"hour": 8, "minute": 49}
